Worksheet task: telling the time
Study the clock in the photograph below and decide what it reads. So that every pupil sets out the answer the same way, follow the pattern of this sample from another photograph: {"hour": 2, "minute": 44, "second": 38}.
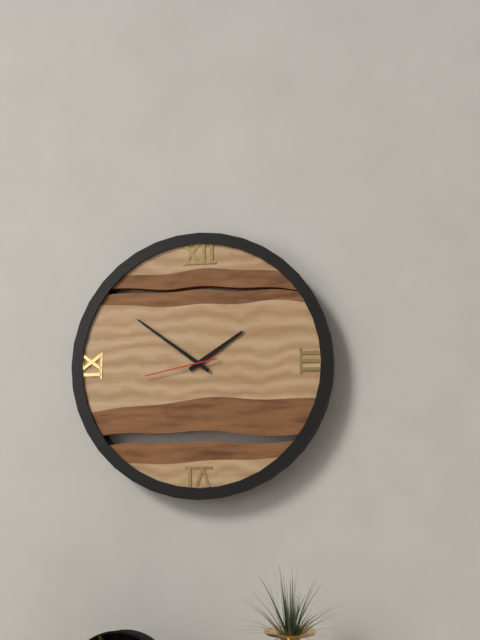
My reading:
{"hour": 1, "minute": 51, "second": 43}
